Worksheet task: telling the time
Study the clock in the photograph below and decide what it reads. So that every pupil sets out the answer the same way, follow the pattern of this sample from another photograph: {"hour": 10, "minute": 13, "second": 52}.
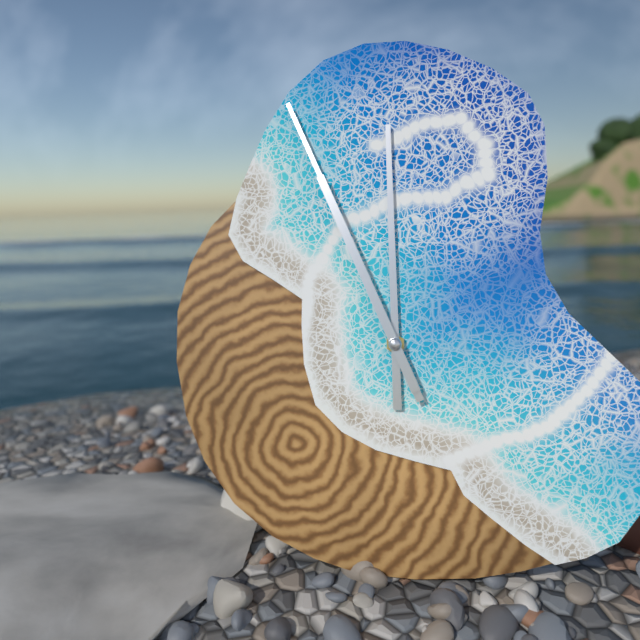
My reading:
{"hour": 11, "minute": 56, "second": 56}
